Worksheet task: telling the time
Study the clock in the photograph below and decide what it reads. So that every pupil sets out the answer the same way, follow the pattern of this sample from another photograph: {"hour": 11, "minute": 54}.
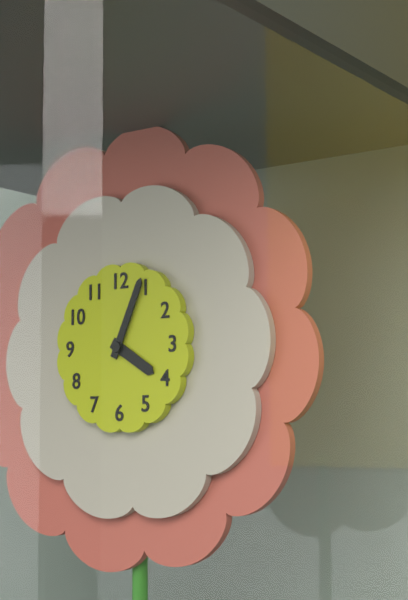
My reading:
{"hour": 4, "minute": 4}
